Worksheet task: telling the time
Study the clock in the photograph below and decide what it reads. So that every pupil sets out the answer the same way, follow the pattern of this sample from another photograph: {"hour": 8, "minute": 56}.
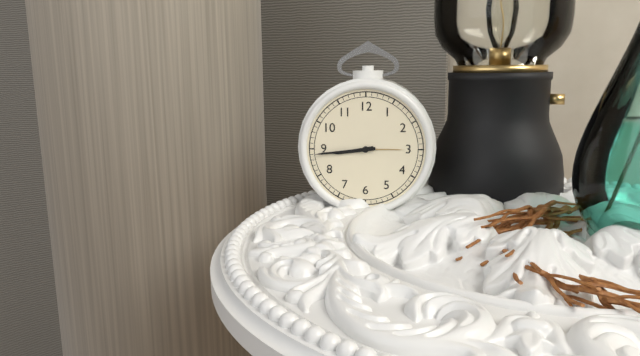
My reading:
{"hour": 8, "minute": 44}
